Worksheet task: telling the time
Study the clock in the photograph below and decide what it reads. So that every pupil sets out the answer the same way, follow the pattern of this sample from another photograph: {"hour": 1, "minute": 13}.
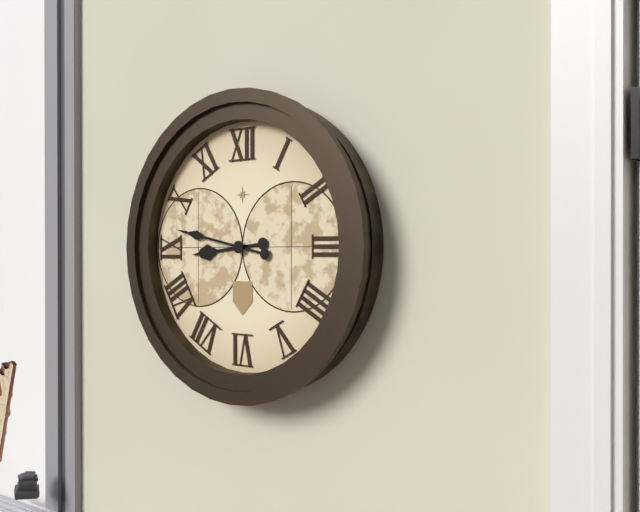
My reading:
{"hour": 8, "minute": 47}
